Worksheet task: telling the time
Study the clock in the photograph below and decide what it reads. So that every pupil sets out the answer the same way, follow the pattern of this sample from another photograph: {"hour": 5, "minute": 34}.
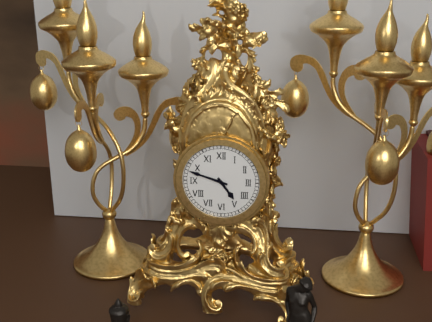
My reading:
{"hour": 4, "minute": 48}
